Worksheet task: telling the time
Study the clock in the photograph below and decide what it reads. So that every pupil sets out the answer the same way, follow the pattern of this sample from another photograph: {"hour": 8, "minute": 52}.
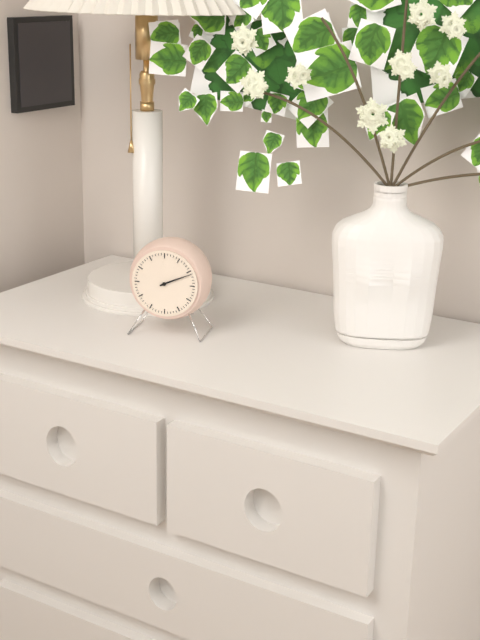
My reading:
{"hour": 2, "minute": 11}
